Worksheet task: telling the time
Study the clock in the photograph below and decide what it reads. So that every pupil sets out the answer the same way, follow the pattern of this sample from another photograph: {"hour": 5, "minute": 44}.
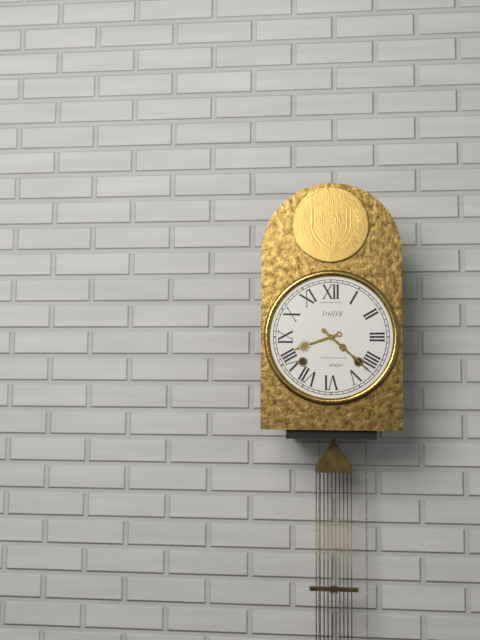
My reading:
{"hour": 8, "minute": 22}
